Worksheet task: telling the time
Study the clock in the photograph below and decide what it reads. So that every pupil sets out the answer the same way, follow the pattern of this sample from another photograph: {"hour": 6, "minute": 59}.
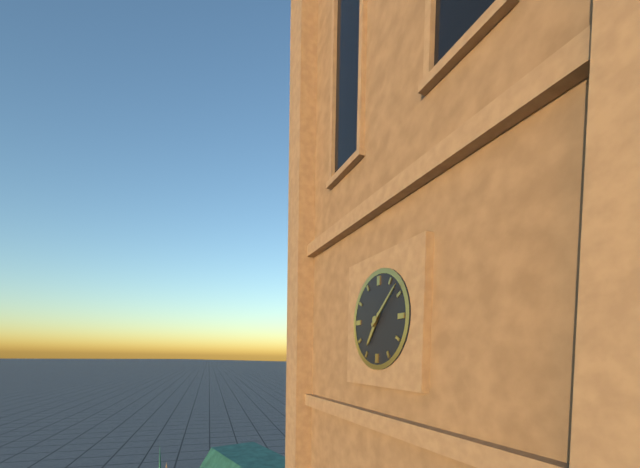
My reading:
{"hour": 7, "minute": 8}
